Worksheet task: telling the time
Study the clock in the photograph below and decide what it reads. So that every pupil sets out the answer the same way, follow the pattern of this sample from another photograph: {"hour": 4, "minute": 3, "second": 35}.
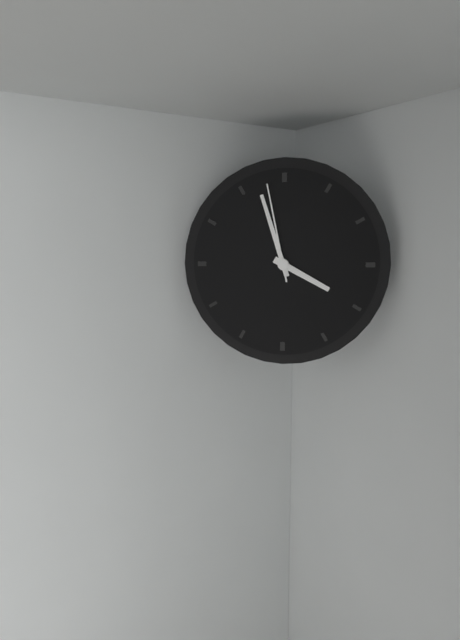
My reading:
{"hour": 3, "minute": 57, "second": 58}
